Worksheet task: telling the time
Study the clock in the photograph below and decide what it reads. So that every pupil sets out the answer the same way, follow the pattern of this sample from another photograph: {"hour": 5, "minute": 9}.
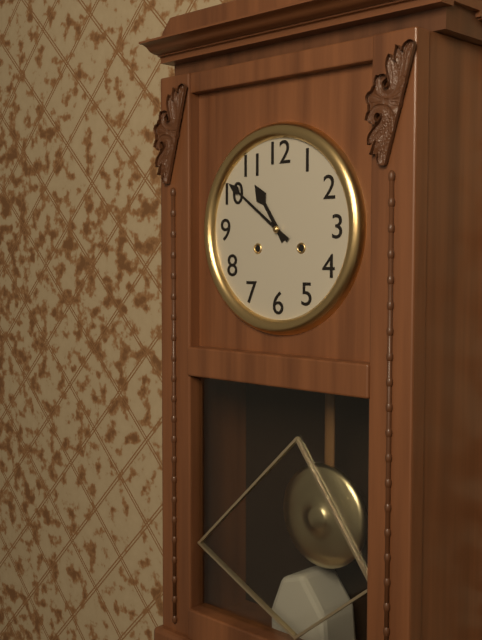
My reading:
{"hour": 10, "minute": 51}
